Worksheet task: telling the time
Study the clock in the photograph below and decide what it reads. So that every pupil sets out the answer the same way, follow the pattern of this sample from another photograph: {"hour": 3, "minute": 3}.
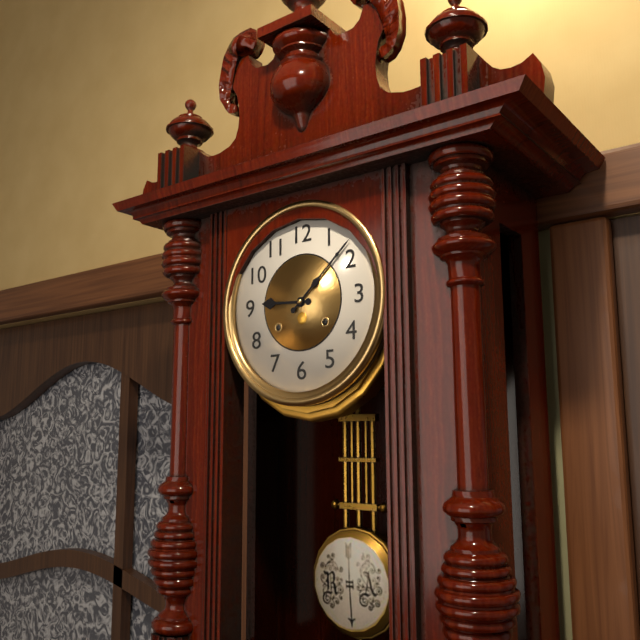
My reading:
{"hour": 9, "minute": 8}
